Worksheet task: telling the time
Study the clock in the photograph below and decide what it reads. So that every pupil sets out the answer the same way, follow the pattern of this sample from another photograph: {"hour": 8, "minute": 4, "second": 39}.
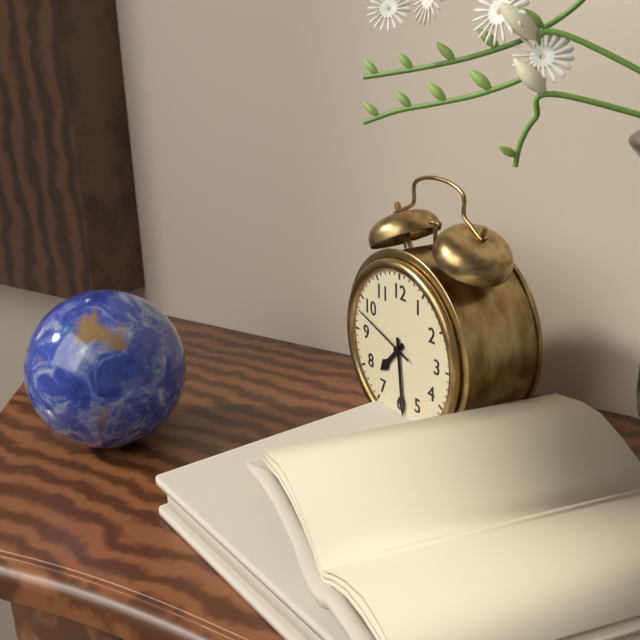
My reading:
{"hour": 7, "minute": 29, "second": 48}
